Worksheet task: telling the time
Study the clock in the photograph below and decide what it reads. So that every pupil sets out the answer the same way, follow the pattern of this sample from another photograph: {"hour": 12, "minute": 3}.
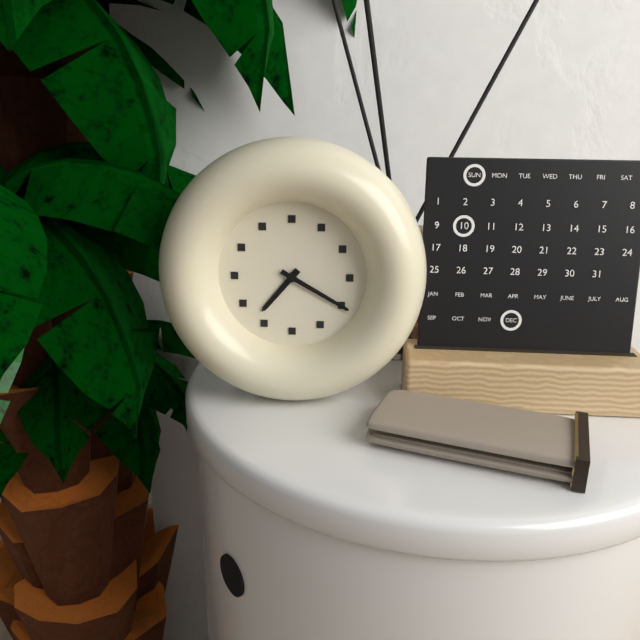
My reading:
{"hour": 7, "minute": 20}
